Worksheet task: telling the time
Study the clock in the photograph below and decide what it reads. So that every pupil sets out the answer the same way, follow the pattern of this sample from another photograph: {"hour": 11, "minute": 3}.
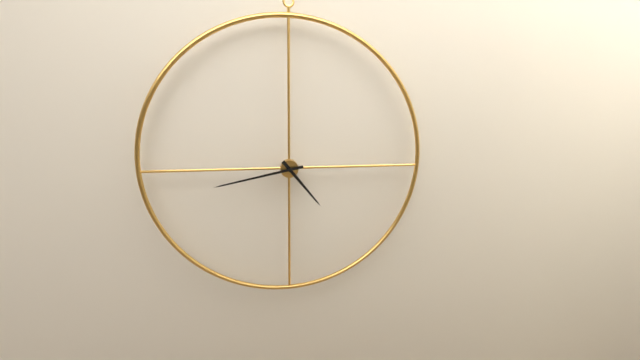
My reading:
{"hour": 4, "minute": 43}
